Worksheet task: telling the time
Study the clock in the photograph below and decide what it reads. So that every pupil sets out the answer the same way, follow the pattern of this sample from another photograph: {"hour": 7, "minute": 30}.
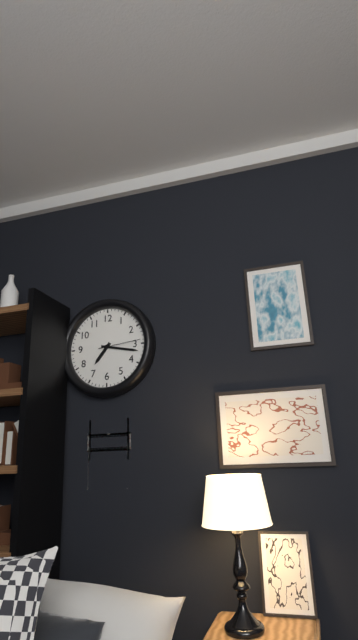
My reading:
{"hour": 7, "minute": 17}
